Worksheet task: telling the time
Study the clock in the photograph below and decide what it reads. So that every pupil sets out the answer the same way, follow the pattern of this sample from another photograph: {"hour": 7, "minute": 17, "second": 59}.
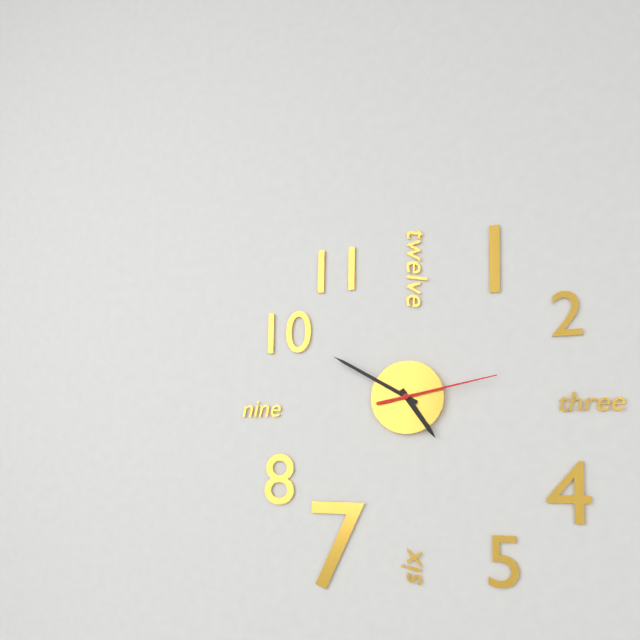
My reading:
{"hour": 4, "minute": 50, "second": 13}
